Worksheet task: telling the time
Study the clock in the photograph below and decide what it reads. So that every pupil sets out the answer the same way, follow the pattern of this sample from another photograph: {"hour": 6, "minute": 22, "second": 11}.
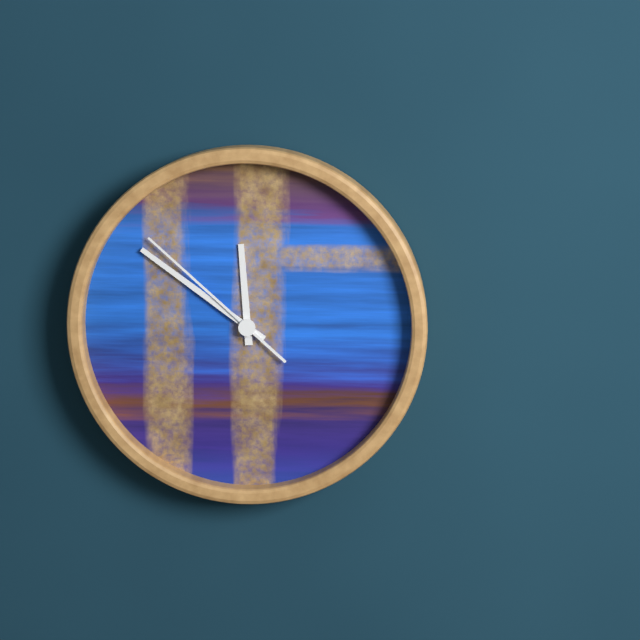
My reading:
{"hour": 11, "minute": 51, "second": 52}
